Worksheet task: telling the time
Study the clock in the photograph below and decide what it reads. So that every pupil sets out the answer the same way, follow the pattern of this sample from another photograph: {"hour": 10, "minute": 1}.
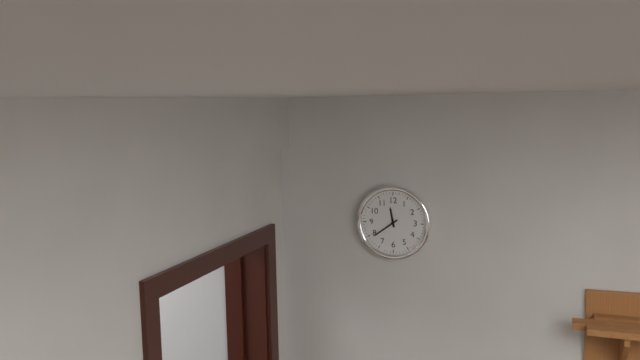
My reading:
{"hour": 11, "minute": 39}
